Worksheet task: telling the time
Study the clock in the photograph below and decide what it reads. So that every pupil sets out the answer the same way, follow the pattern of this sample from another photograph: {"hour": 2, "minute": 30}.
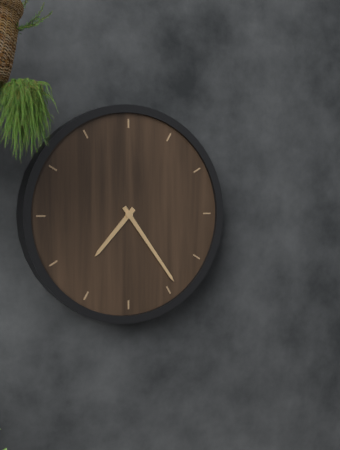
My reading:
{"hour": 7, "minute": 24}
